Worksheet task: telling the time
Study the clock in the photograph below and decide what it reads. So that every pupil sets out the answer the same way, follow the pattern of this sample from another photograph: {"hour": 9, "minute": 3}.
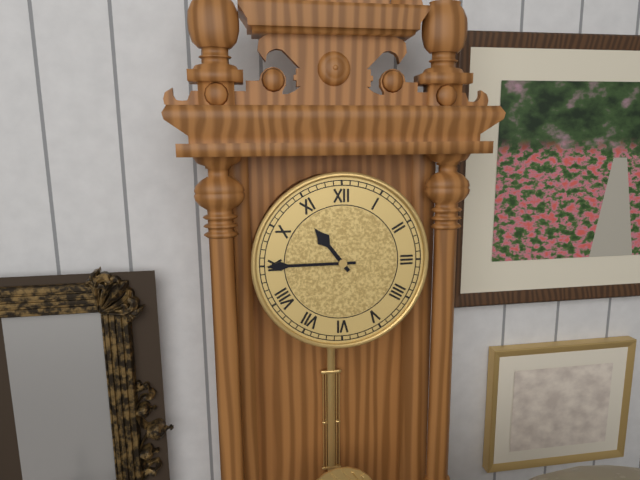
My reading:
{"hour": 10, "minute": 45}
